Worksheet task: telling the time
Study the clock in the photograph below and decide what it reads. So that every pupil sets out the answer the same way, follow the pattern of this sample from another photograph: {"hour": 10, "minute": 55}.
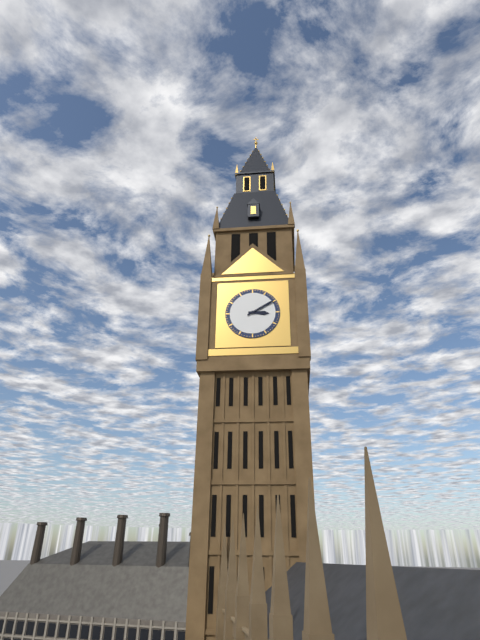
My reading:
{"hour": 3, "minute": 10}
